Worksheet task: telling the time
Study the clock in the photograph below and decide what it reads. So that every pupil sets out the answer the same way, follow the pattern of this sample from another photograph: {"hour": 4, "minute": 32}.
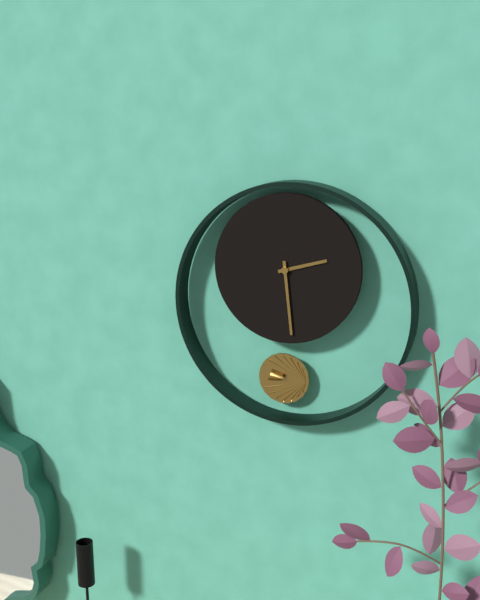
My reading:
{"hour": 2, "minute": 29}
